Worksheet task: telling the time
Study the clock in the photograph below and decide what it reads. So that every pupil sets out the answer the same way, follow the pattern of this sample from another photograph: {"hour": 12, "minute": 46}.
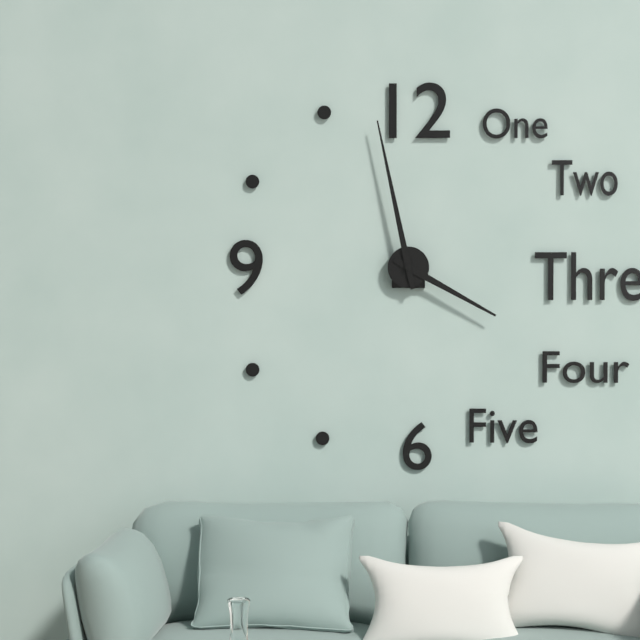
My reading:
{"hour": 3, "minute": 58}
